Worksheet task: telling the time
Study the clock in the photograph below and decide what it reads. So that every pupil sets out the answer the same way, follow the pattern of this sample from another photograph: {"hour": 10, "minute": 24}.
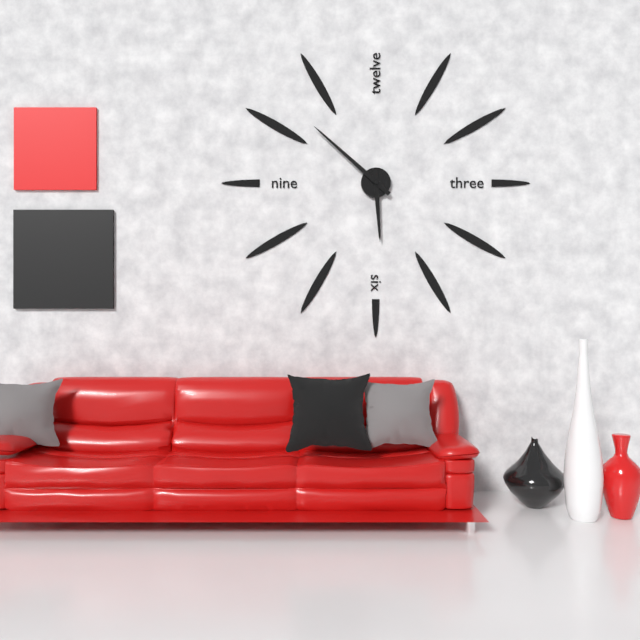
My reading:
{"hour": 5, "minute": 52}
